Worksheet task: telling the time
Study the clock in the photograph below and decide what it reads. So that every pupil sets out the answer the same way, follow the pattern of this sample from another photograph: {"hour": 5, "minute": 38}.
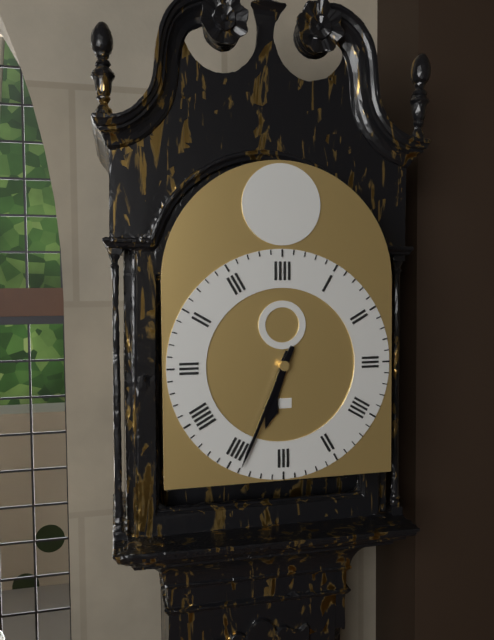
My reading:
{"hour": 6, "minute": 34}
